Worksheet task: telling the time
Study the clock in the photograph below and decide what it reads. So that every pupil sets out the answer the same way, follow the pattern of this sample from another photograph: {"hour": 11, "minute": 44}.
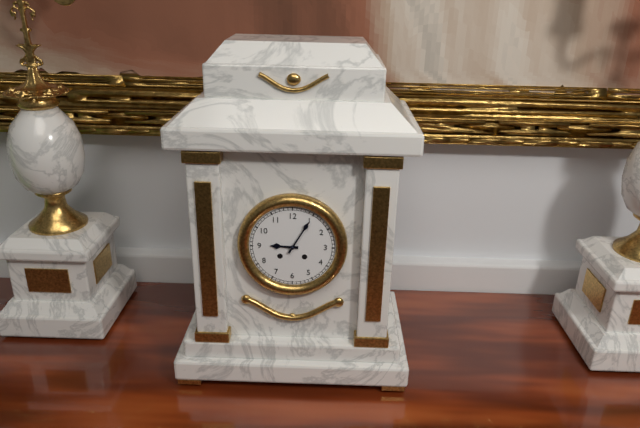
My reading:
{"hour": 9, "minute": 5}
